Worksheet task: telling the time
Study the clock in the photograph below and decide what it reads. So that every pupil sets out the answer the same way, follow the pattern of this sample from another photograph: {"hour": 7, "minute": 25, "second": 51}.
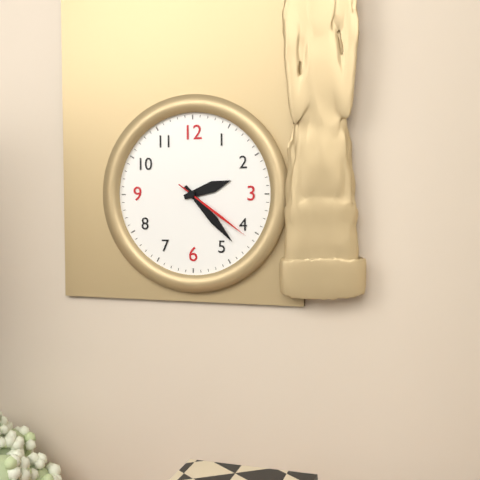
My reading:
{"hour": 2, "minute": 23, "second": 21}
